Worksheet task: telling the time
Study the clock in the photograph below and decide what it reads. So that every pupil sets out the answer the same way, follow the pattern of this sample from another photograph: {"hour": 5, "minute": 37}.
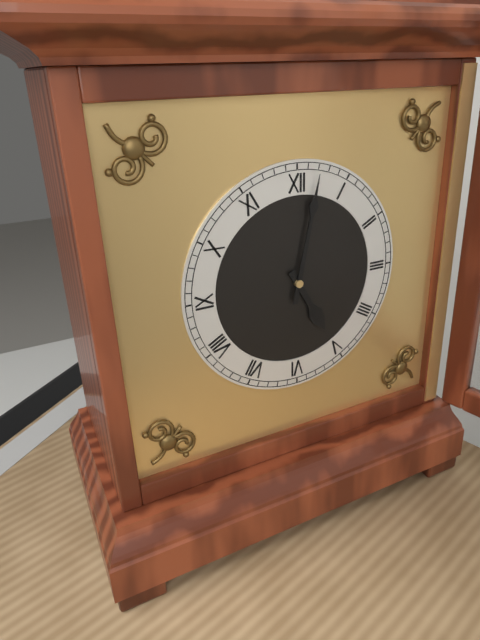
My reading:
{"hour": 5, "minute": 2}
